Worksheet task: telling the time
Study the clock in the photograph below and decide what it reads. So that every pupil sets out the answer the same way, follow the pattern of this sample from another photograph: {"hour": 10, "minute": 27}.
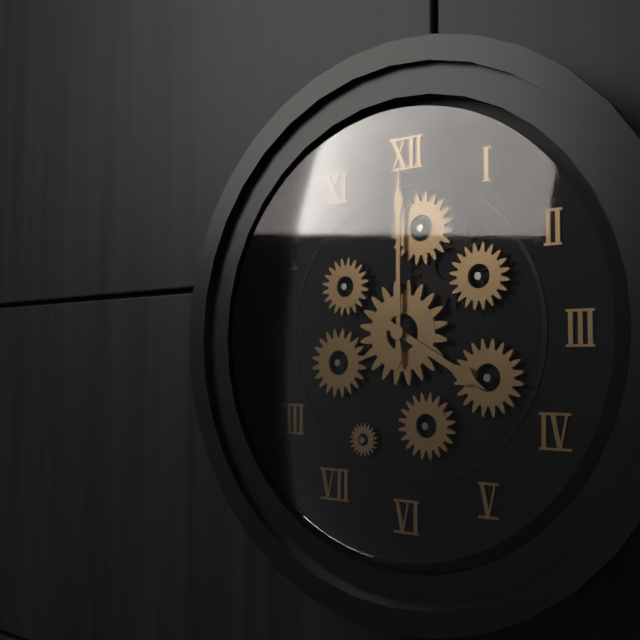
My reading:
{"hour": 4, "minute": 0}
